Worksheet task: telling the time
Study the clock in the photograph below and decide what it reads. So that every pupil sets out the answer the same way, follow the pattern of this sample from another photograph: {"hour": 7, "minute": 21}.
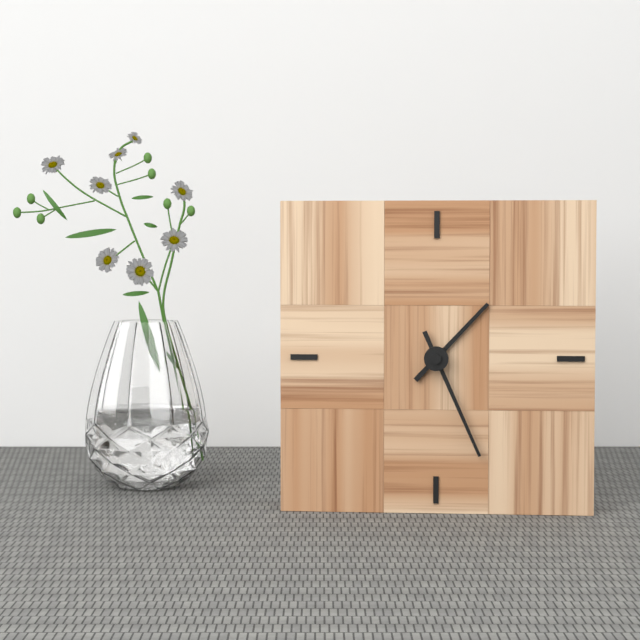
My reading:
{"hour": 1, "minute": 26}
